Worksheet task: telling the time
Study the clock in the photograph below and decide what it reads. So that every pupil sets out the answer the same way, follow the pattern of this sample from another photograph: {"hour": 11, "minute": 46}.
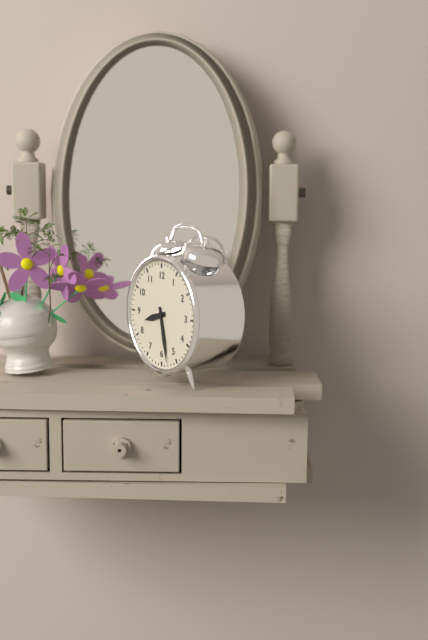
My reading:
{"hour": 8, "minute": 28}
